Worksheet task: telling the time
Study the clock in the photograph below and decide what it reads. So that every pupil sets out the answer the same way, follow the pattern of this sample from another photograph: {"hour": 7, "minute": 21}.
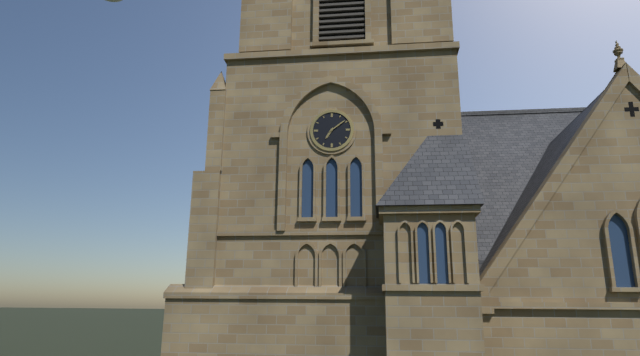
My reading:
{"hour": 7, "minute": 9}
